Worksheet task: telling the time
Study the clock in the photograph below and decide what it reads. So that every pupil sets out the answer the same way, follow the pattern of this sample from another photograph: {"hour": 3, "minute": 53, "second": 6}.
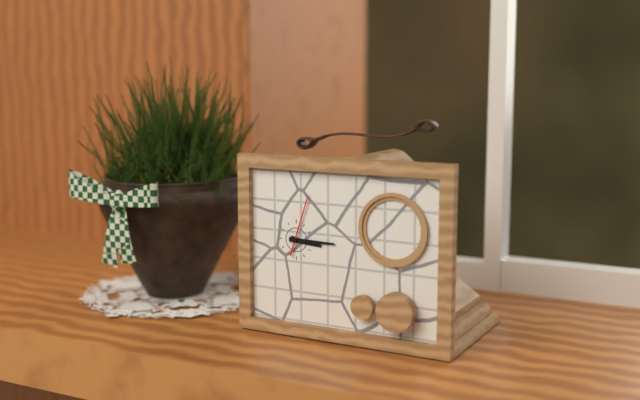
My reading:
{"hour": 3, "minute": 15, "second": 3}
